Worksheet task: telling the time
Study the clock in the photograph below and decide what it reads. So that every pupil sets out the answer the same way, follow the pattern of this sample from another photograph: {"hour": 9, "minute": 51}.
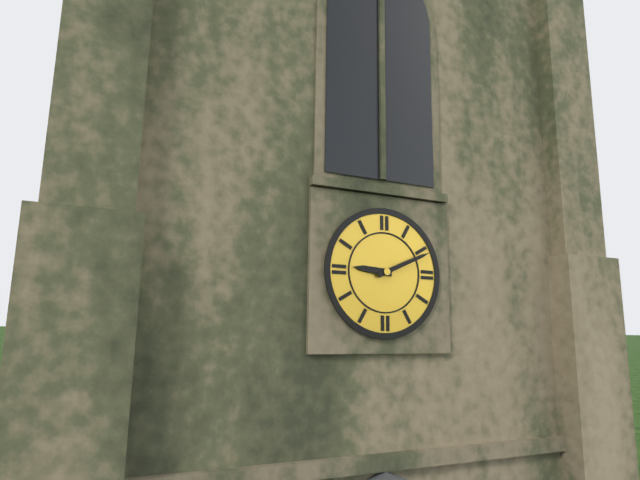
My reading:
{"hour": 9, "minute": 11}
